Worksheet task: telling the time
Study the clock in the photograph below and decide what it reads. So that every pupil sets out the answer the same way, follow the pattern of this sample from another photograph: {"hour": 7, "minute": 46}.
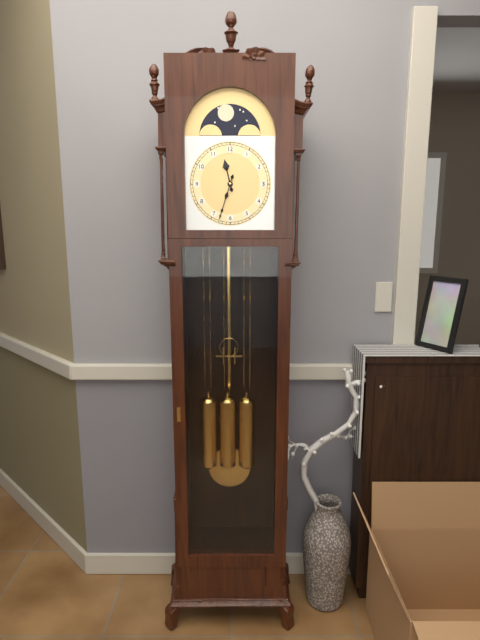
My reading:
{"hour": 11, "minute": 33}
